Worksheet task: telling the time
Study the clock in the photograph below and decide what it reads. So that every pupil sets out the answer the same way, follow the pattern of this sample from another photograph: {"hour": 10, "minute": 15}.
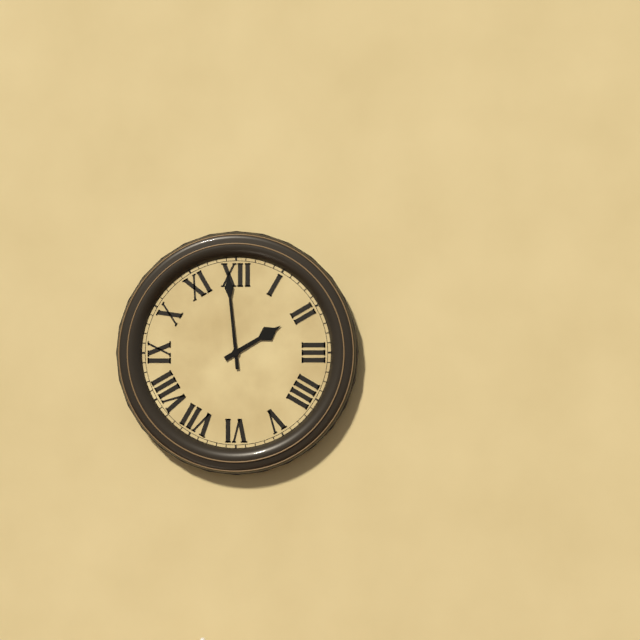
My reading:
{"hour": 1, "minute": 59}
